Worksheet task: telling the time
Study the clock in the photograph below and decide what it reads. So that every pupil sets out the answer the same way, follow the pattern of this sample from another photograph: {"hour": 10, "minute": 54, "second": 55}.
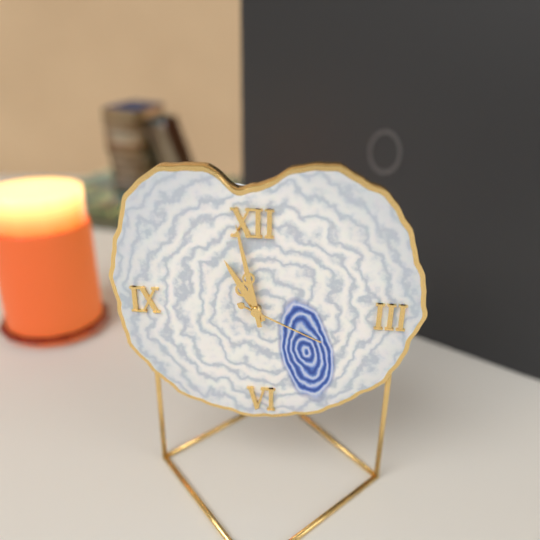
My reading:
{"hour": 10, "minute": 58, "second": 19}
